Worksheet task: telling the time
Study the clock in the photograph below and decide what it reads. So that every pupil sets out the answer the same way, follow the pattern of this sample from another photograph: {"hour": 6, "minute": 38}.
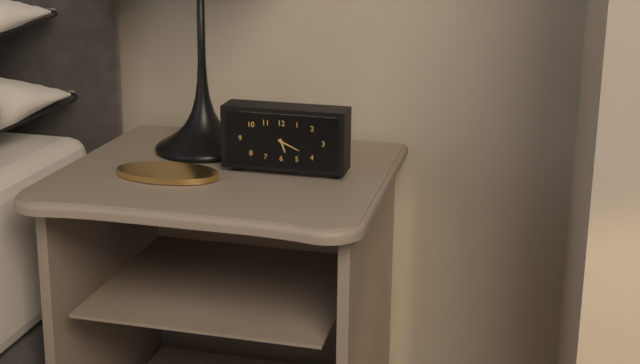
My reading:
{"hour": 5, "minute": 19}
